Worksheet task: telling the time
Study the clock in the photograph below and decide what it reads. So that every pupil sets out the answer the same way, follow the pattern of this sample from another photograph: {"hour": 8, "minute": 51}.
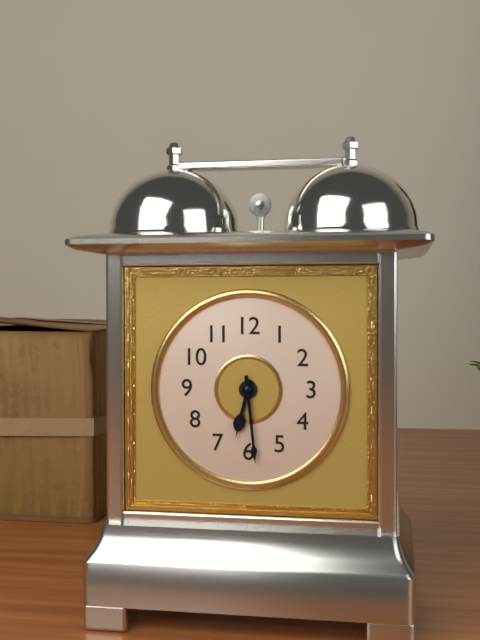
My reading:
{"hour": 6, "minute": 29}
